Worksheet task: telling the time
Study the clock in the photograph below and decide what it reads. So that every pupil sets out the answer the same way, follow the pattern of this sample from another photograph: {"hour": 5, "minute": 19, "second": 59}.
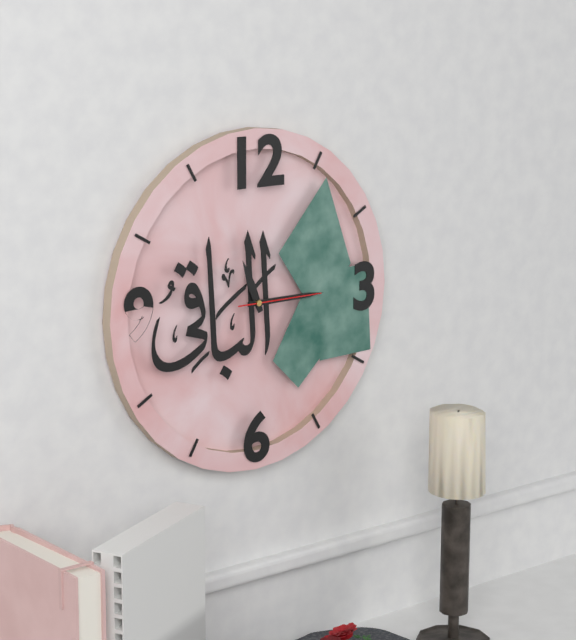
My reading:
{"hour": 11, "minute": 15, "second": 15}
